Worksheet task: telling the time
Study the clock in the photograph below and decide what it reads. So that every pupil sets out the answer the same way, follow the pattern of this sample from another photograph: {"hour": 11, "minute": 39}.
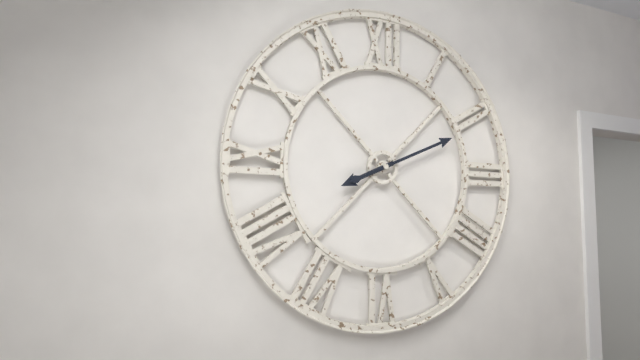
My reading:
{"hour": 8, "minute": 11}
